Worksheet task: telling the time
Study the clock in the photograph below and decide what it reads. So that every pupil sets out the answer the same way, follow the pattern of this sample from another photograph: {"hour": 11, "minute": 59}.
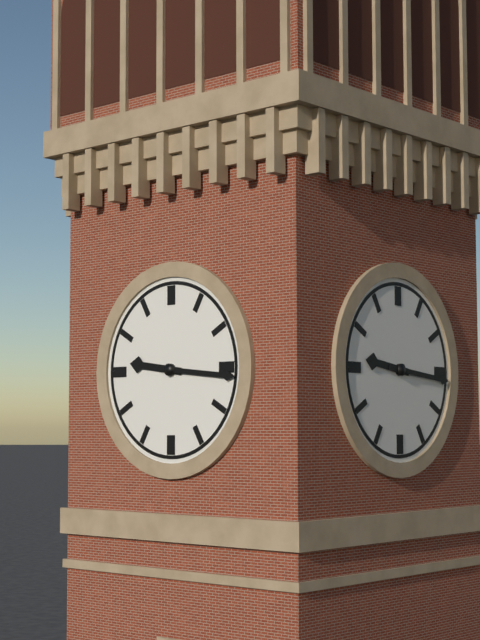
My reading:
{"hour": 9, "minute": 16}
